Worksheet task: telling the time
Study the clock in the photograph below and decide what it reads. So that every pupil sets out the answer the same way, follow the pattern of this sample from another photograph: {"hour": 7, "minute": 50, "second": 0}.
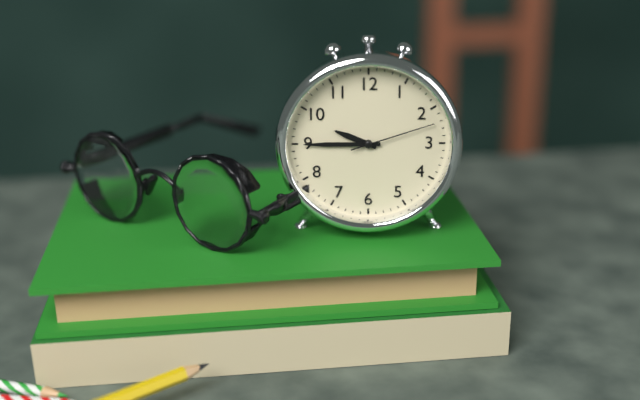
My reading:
{"hour": 9, "minute": 45, "second": 12}
